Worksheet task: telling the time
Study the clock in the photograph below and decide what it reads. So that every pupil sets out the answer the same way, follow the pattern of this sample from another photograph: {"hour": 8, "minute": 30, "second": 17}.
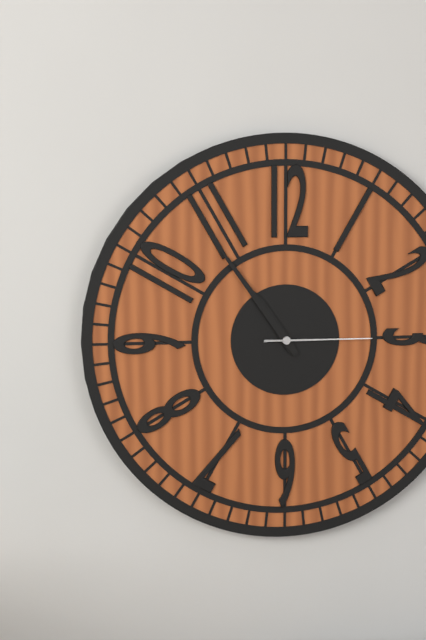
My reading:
{"hour": 10, "minute": 54, "second": 15}
